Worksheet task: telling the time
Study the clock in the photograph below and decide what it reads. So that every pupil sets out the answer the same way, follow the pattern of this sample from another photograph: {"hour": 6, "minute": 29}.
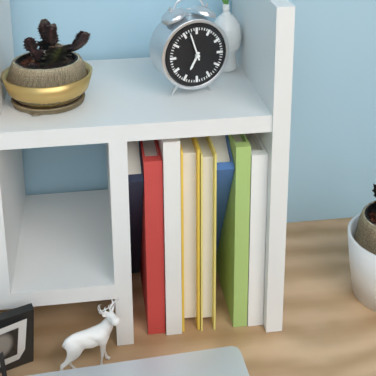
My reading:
{"hour": 6, "minute": 57}
